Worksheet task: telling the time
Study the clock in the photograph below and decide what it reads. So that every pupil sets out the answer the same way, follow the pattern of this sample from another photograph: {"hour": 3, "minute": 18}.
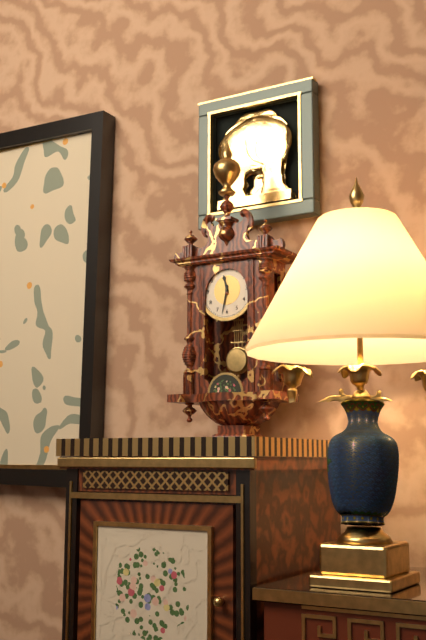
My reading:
{"hour": 11, "minute": 32}
